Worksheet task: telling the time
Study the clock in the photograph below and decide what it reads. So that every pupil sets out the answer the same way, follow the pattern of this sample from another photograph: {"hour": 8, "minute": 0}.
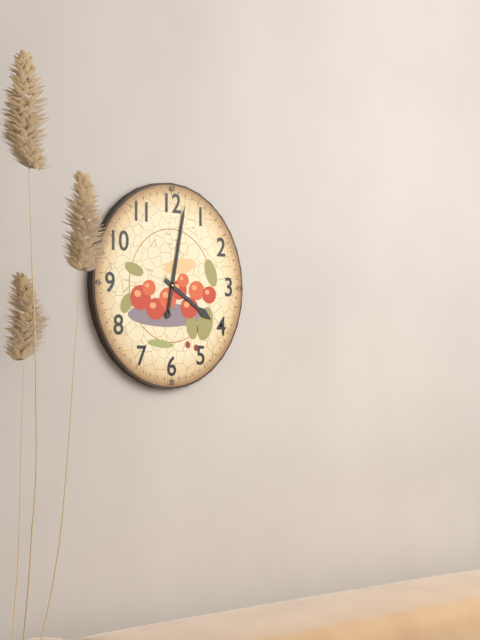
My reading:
{"hour": 4, "minute": 2}
